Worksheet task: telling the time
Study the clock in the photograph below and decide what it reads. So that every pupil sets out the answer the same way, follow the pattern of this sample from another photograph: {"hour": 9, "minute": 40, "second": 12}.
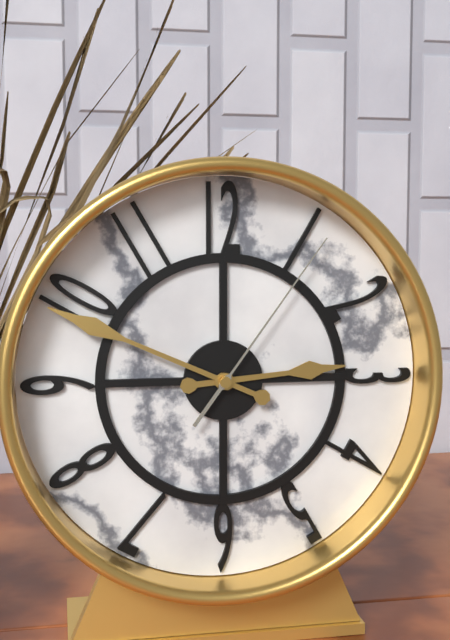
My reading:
{"hour": 2, "minute": 49, "second": 6}
